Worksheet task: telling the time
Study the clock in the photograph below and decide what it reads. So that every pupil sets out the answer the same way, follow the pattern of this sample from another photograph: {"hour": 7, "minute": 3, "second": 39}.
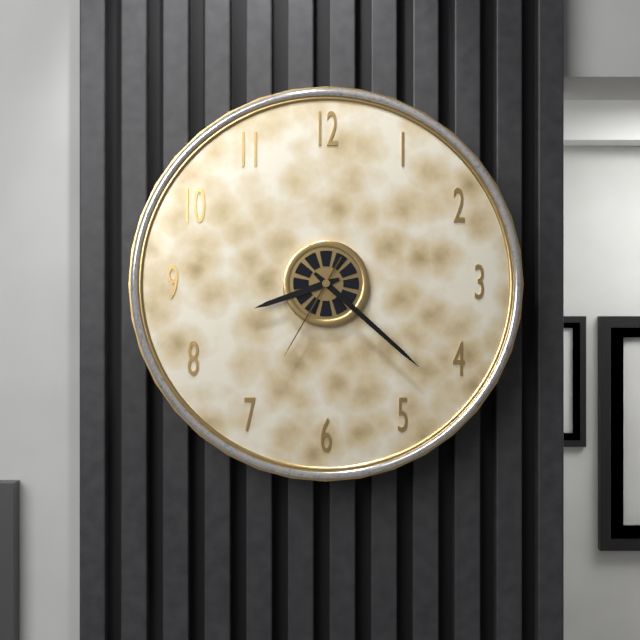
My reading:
{"hour": 8, "minute": 22, "second": 35}
